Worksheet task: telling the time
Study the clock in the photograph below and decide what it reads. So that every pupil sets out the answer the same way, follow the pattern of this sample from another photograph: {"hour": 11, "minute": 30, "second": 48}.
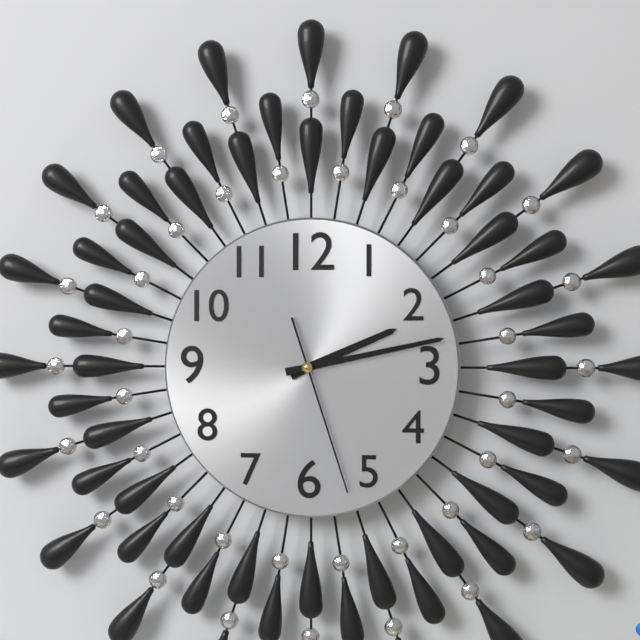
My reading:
{"hour": 2, "minute": 13, "second": 27}
